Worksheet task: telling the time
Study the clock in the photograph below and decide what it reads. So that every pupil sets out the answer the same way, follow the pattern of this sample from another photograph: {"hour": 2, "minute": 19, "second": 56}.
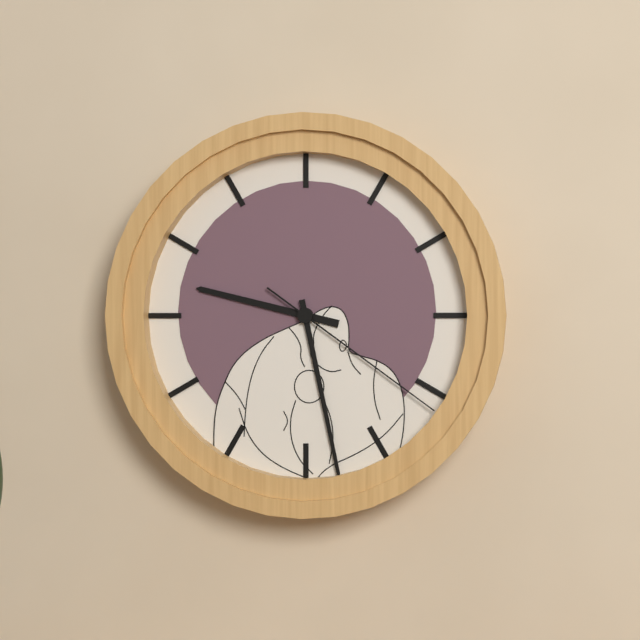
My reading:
{"hour": 9, "minute": 28, "second": 21}
